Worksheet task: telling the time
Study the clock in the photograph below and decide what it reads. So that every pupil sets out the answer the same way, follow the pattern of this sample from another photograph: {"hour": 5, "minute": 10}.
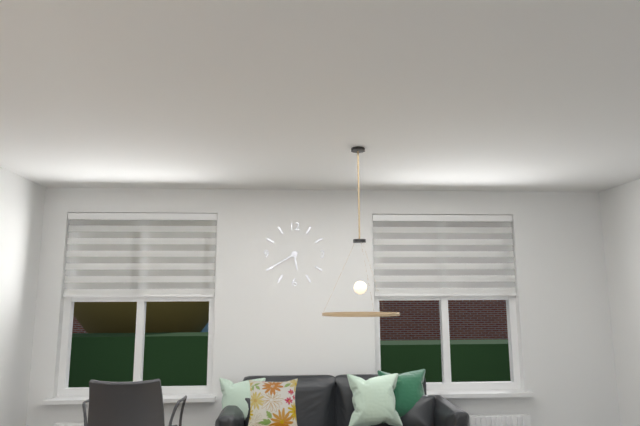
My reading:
{"hour": 5, "minute": 40}
